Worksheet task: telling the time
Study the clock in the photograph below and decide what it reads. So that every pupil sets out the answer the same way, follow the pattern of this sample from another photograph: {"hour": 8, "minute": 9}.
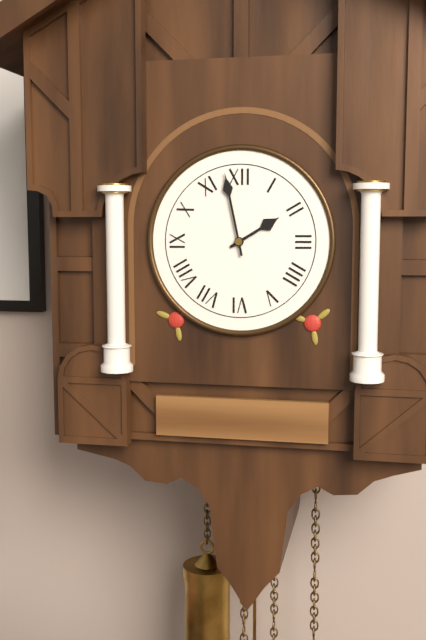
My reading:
{"hour": 1, "minute": 58}
